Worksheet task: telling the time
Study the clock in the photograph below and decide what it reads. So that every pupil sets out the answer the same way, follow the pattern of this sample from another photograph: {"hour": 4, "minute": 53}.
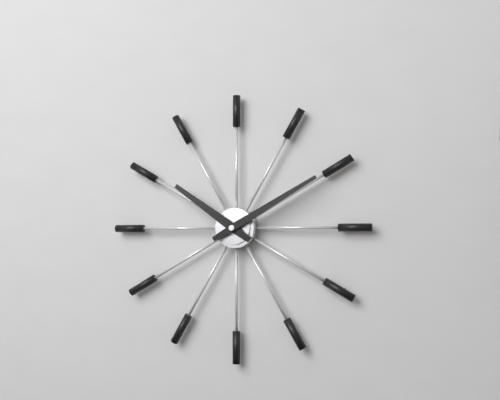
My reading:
{"hour": 10, "minute": 10}
